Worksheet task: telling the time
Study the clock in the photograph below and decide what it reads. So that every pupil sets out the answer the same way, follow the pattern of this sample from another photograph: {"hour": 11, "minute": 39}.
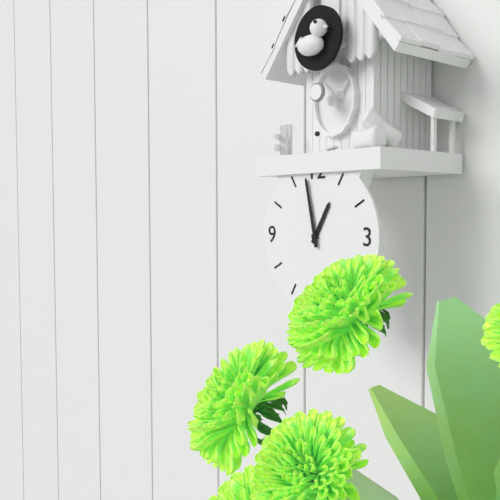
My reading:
{"hour": 12, "minute": 58}
